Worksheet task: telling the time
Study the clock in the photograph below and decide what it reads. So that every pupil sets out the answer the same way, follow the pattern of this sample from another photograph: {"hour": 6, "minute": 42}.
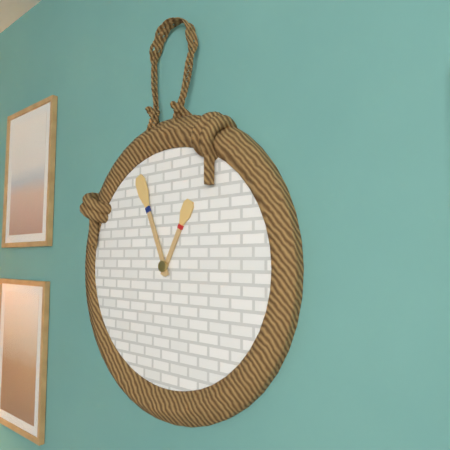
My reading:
{"hour": 12, "minute": 56}
